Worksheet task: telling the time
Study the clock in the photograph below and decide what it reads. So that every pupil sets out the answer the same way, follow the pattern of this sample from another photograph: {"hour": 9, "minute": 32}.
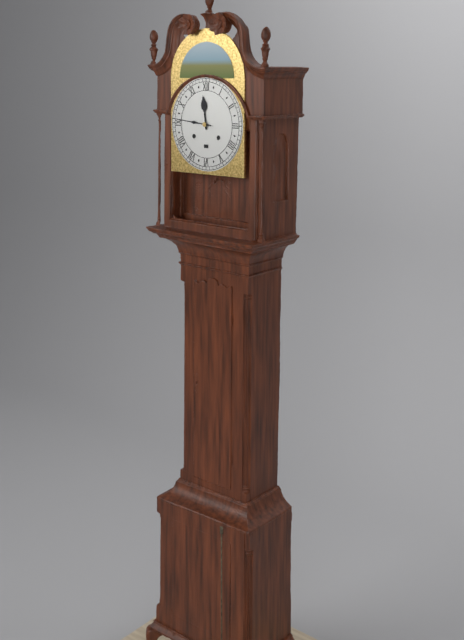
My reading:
{"hour": 11, "minute": 46}
